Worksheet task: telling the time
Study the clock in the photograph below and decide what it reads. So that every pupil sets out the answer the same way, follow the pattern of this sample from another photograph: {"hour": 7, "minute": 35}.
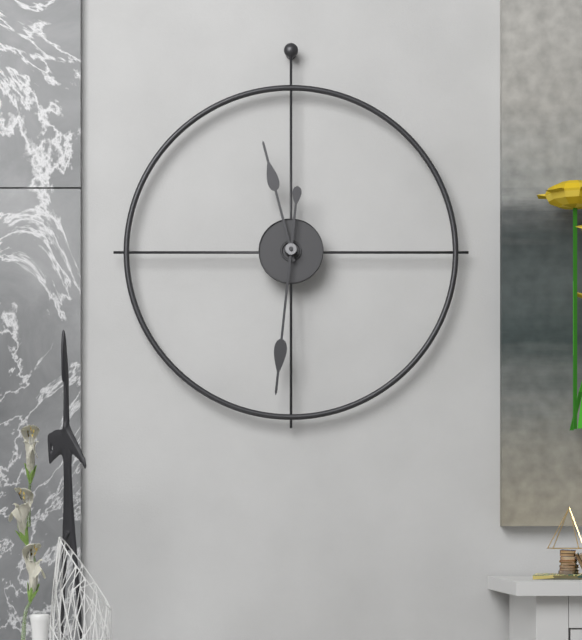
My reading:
{"hour": 11, "minute": 31}
